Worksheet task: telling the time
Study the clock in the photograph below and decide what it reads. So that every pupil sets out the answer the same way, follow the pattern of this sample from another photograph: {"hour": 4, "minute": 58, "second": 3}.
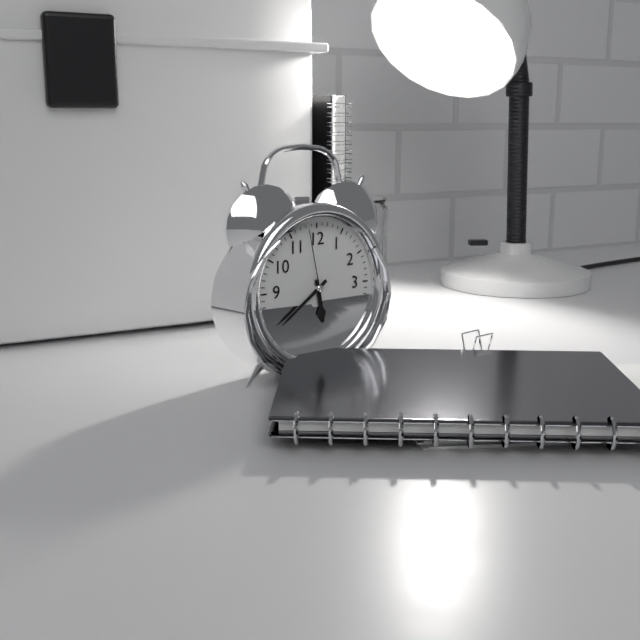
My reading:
{"hour": 5, "minute": 39, "second": 58}
